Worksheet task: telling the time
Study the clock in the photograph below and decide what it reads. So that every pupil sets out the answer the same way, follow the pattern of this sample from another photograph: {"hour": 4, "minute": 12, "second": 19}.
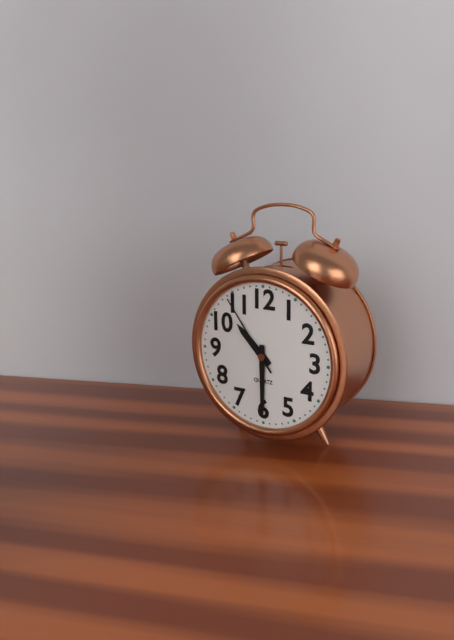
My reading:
{"hour": 10, "minute": 30, "second": 54}
